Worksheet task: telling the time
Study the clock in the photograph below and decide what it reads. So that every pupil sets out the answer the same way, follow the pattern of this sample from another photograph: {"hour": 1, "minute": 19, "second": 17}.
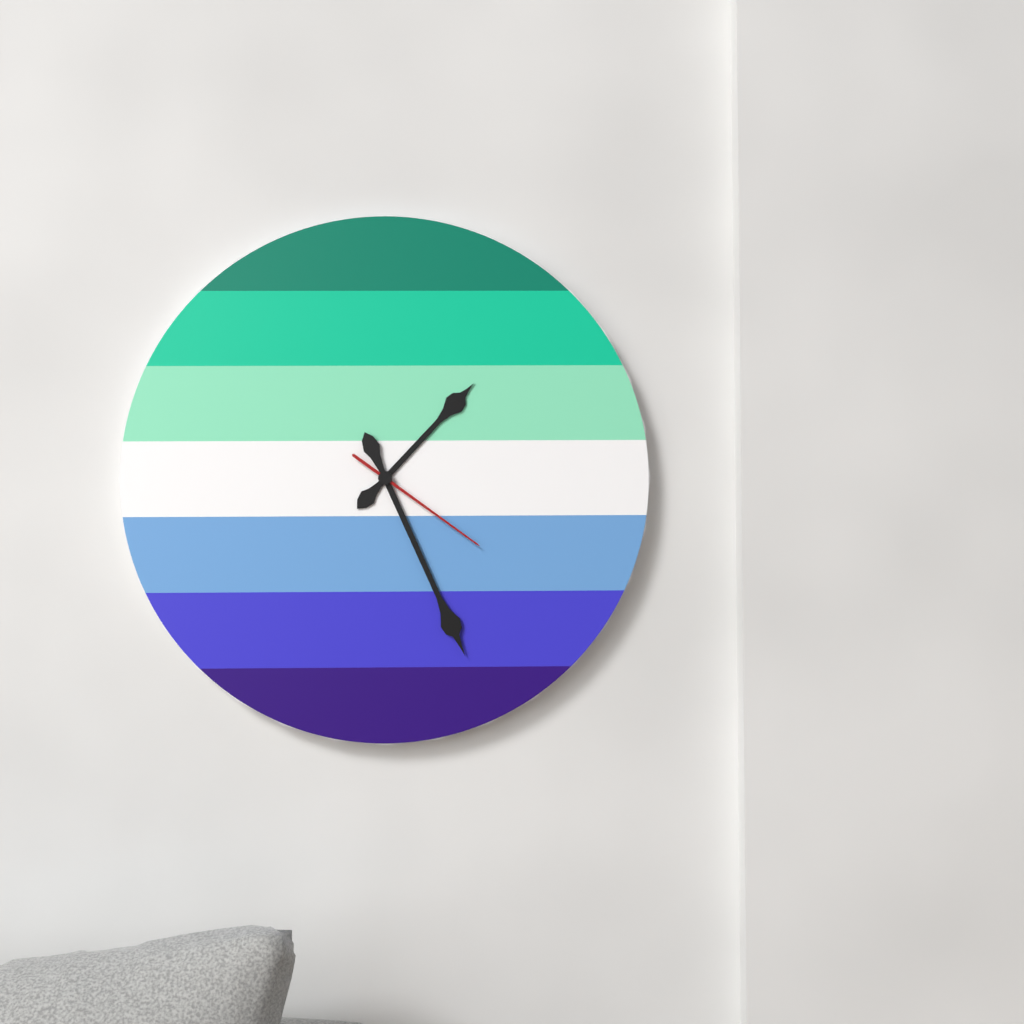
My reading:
{"hour": 1, "minute": 26, "second": 21}
